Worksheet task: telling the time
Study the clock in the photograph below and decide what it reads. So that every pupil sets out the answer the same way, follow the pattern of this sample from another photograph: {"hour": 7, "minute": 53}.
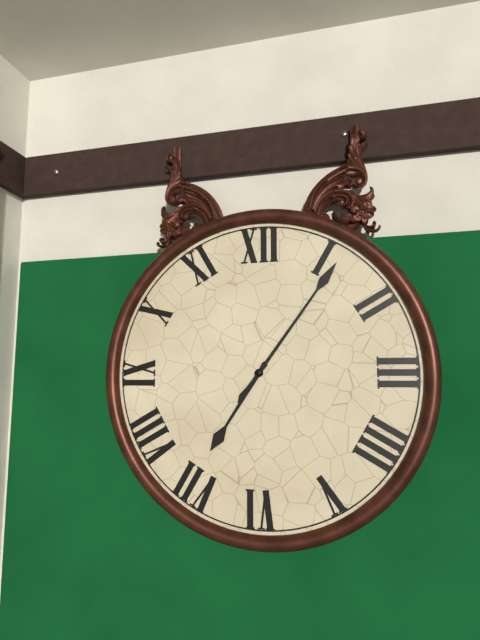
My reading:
{"hour": 7, "minute": 6}
